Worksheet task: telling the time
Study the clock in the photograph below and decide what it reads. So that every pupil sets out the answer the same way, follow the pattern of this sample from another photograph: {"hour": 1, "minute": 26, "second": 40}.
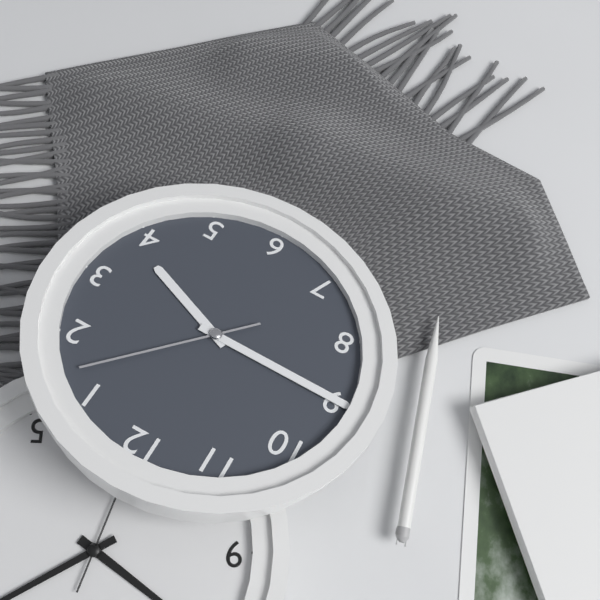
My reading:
{"hour": 3, "minute": 45, "second": 7}
